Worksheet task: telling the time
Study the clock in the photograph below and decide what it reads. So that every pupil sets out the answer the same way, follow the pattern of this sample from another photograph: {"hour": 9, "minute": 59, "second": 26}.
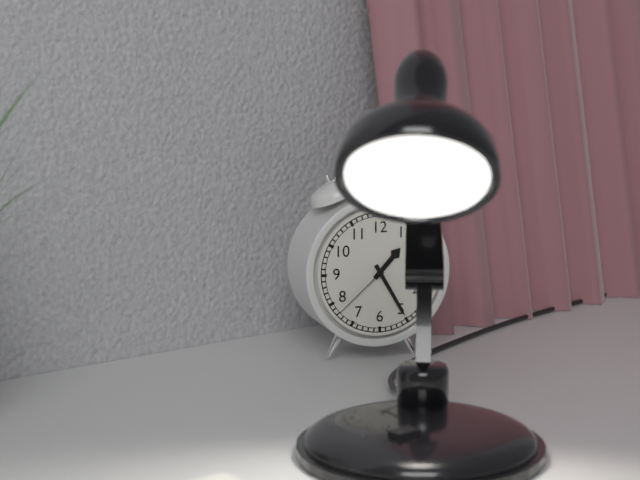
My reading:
{"hour": 1, "minute": 25, "second": 38}
